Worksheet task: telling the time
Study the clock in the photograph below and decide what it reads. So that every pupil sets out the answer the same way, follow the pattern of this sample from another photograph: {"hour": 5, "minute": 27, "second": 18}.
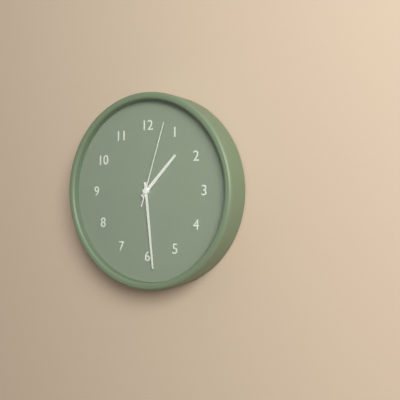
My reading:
{"hour": 1, "minute": 29, "second": 3}
